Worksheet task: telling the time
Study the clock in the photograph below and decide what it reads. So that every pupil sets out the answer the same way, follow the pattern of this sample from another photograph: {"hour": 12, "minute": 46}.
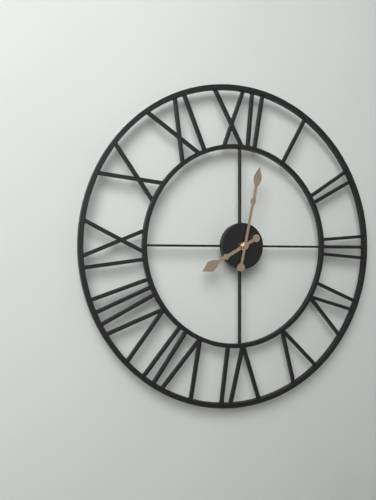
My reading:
{"hour": 8, "minute": 2}
